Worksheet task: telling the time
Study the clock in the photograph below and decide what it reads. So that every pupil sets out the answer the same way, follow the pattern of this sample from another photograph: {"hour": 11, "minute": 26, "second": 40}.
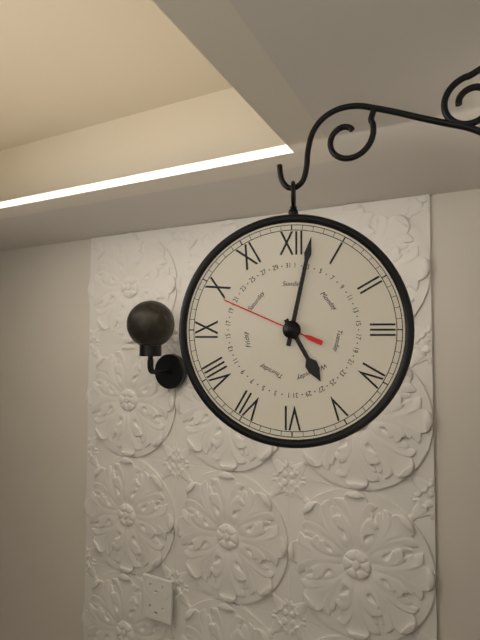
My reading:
{"hour": 5, "minute": 2, "second": 49}
